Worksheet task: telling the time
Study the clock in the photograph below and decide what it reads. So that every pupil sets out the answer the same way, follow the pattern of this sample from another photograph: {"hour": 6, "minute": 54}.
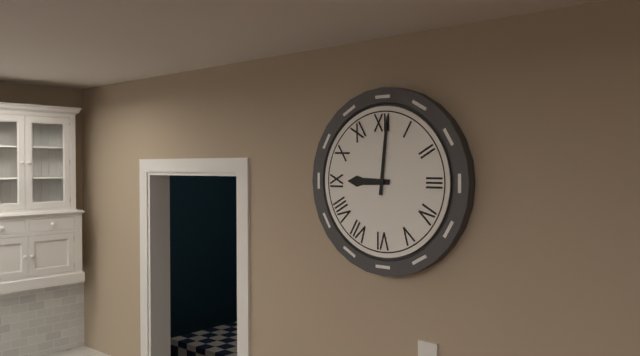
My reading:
{"hour": 9, "minute": 1}
